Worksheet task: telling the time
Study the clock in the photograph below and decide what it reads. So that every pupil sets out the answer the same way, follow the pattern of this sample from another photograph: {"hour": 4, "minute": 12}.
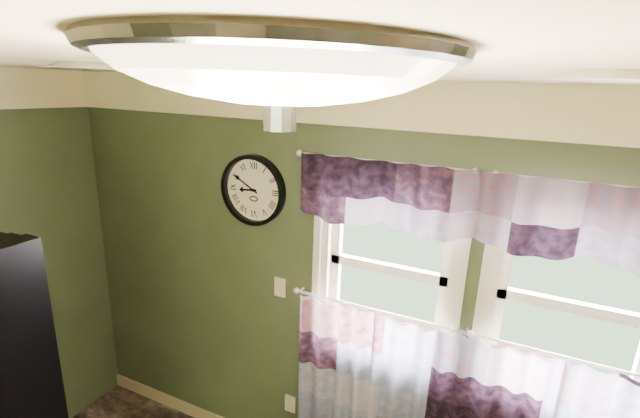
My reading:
{"hour": 8, "minute": 50}
